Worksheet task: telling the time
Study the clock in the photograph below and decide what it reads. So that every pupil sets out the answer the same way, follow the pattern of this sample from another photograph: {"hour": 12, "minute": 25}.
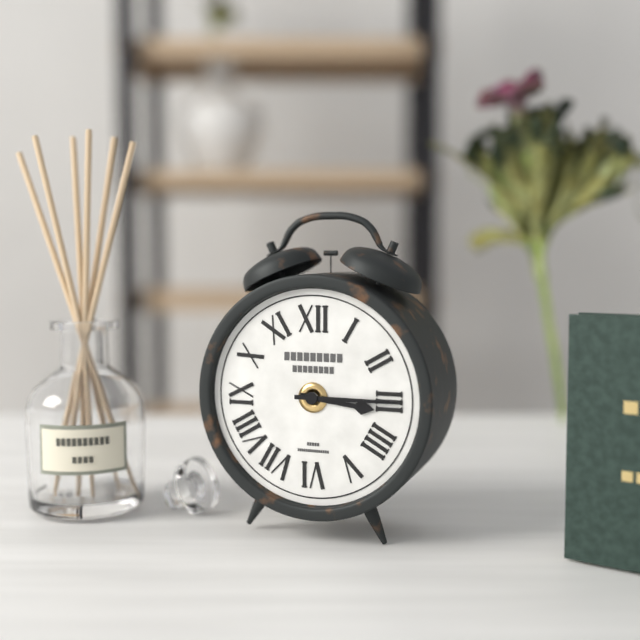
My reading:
{"hour": 3, "minute": 15}
